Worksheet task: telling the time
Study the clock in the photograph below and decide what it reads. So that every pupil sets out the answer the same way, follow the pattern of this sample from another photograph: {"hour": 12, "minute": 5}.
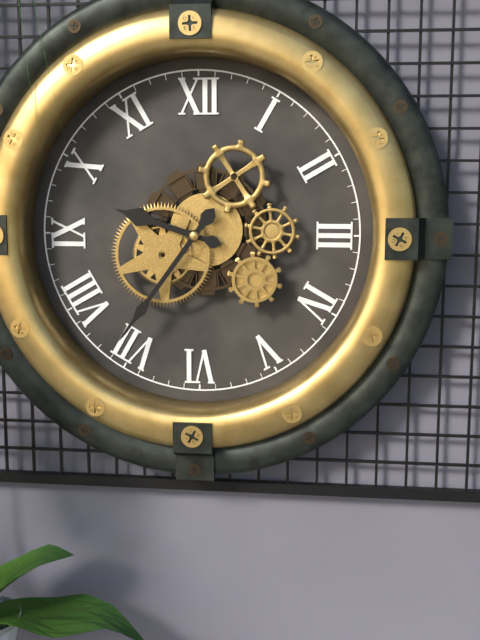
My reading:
{"hour": 9, "minute": 36}
